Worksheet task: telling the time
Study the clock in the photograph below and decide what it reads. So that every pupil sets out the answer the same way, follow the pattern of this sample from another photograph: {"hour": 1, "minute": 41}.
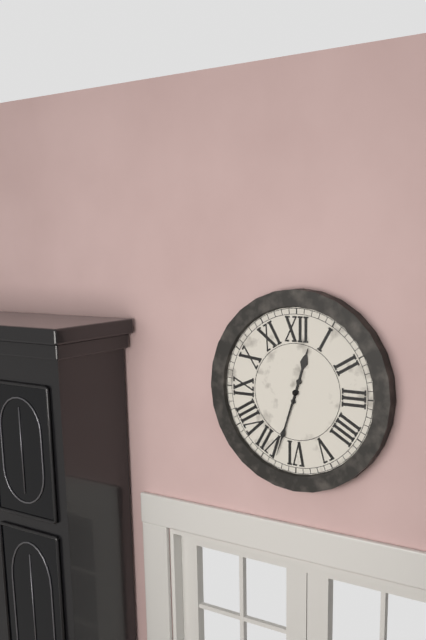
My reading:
{"hour": 12, "minute": 33}
